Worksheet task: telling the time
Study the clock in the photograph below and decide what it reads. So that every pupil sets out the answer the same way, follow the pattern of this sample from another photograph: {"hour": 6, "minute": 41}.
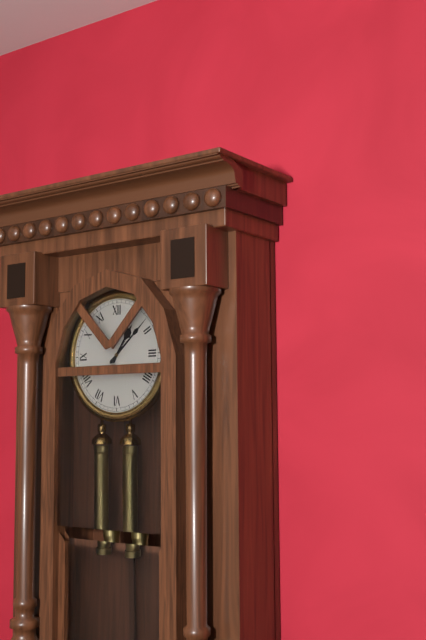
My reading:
{"hour": 1, "minute": 8}
